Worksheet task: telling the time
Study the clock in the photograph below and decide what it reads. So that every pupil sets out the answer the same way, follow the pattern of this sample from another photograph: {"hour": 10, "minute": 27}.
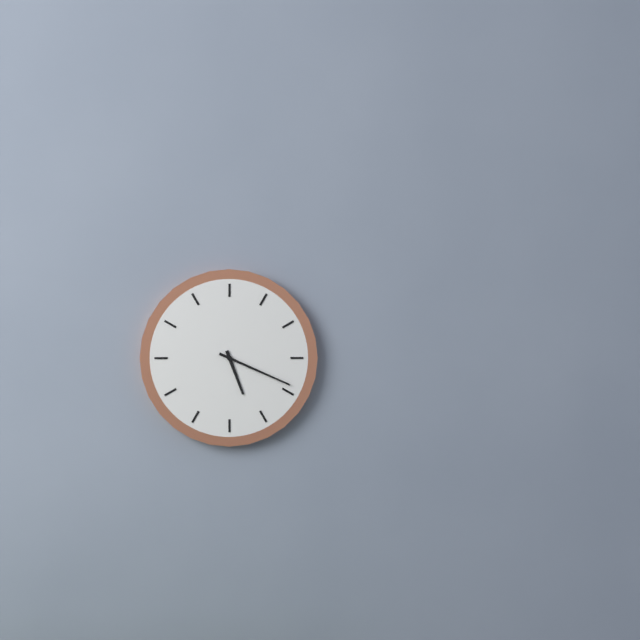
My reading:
{"hour": 5, "minute": 19}
